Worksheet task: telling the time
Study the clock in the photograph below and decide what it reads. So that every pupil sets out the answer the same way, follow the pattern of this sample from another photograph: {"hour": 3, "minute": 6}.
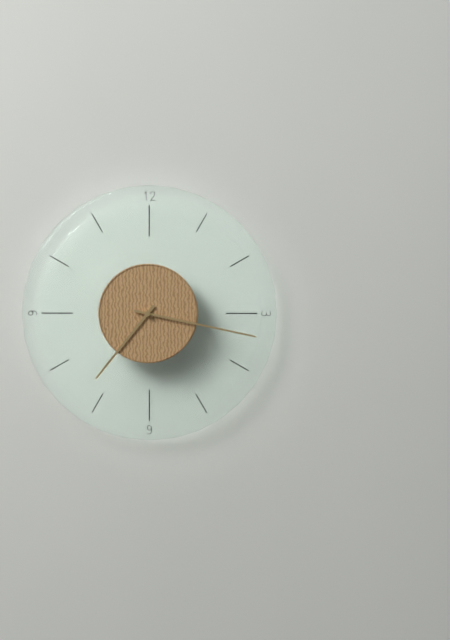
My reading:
{"hour": 7, "minute": 17}
